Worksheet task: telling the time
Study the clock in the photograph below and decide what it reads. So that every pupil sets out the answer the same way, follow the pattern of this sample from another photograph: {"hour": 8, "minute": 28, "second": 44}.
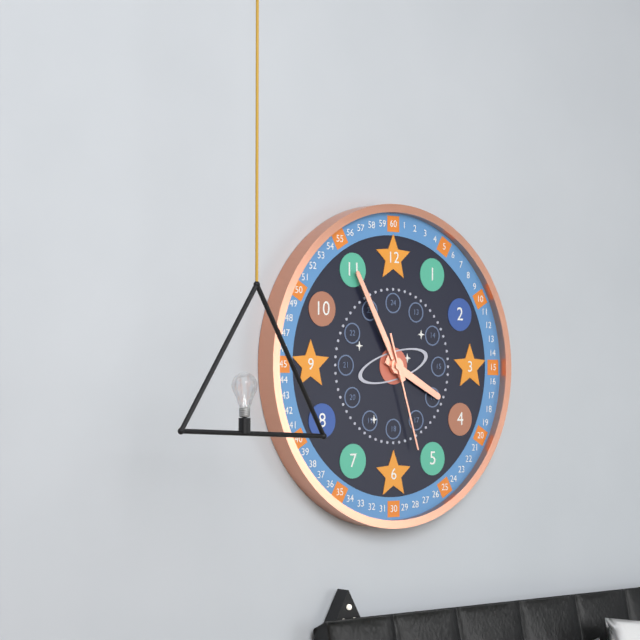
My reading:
{"hour": 3, "minute": 55, "second": 27}
